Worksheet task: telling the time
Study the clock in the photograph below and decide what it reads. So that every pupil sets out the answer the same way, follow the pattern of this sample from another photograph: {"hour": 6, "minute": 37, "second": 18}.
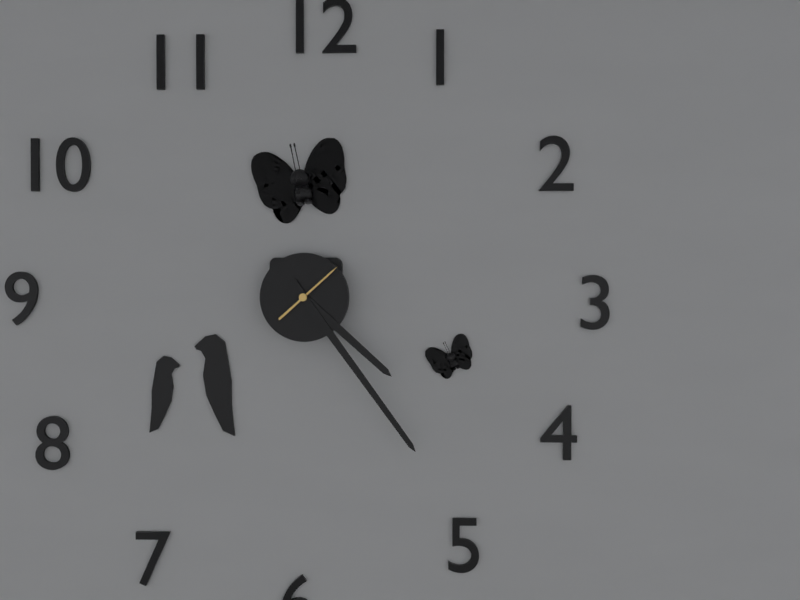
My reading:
{"hour": 4, "minute": 24, "second": 8}
